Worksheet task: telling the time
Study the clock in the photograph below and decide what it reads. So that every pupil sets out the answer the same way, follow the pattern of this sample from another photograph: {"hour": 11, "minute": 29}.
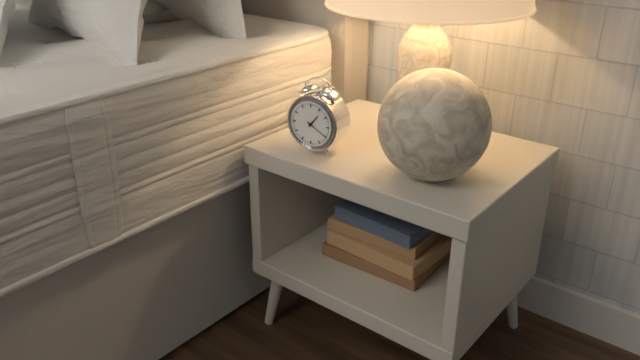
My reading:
{"hour": 1, "minute": 20}
